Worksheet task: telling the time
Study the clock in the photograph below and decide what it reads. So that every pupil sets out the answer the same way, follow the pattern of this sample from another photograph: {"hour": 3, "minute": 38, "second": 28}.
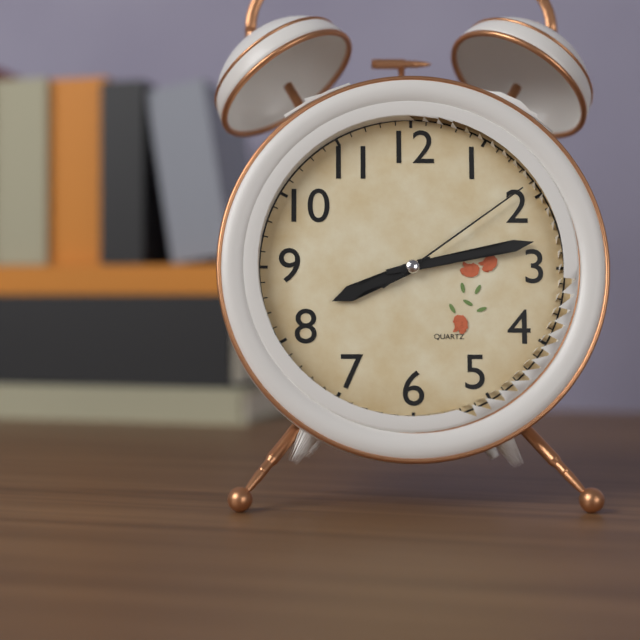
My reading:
{"hour": 8, "minute": 13, "second": 9}
